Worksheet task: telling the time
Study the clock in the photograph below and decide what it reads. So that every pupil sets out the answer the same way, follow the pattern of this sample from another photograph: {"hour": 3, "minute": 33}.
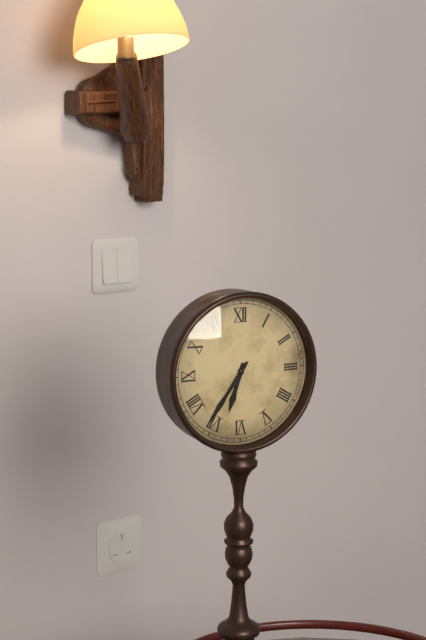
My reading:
{"hour": 6, "minute": 36}
